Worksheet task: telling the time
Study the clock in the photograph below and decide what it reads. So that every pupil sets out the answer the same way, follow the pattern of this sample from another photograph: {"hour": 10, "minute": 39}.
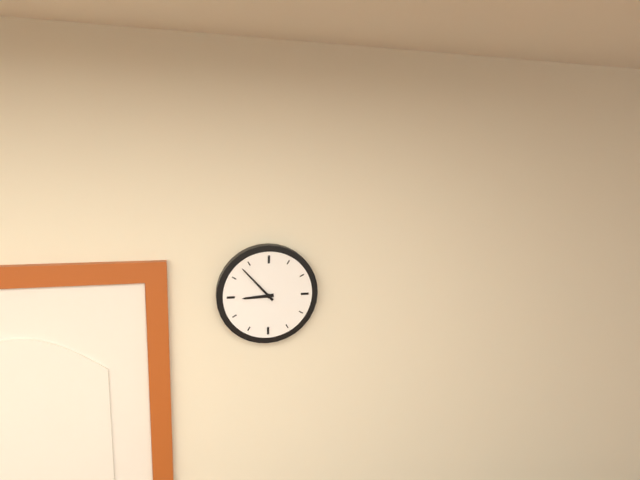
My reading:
{"hour": 8, "minute": 53}
